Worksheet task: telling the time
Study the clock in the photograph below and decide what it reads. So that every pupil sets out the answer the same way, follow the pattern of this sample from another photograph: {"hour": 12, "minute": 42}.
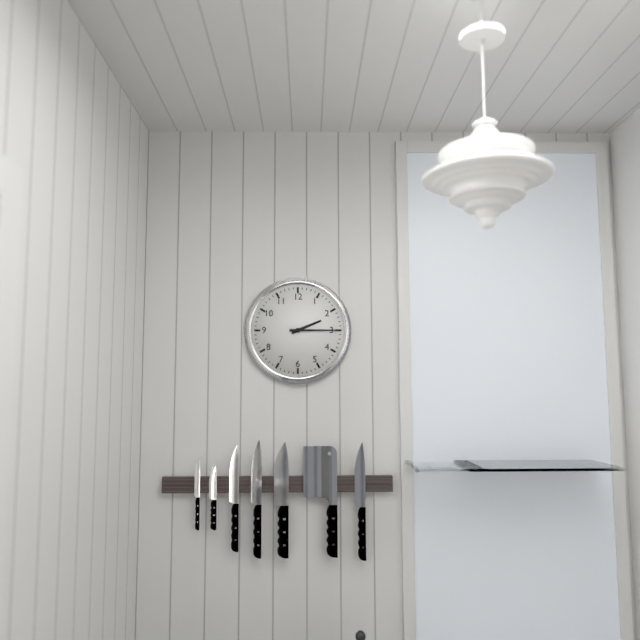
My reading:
{"hour": 2, "minute": 15}
